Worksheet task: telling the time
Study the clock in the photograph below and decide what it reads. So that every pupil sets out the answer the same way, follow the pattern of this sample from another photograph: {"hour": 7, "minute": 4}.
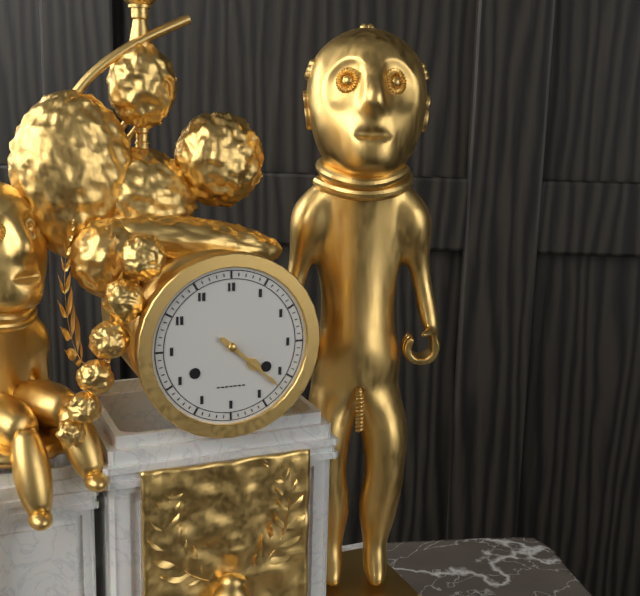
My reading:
{"hour": 4, "minute": 22}
